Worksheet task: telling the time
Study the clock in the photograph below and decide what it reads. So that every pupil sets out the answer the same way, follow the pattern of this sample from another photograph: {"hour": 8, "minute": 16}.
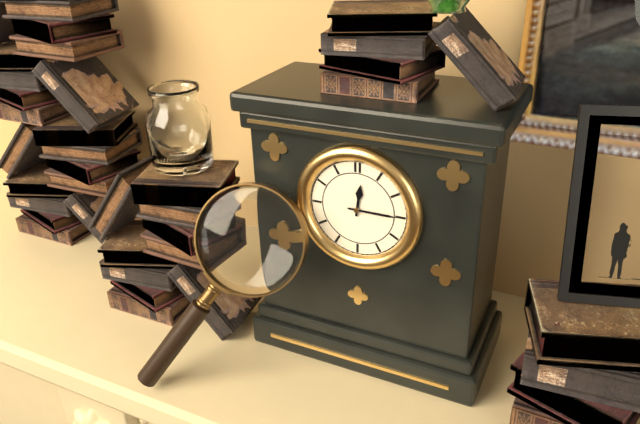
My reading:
{"hour": 12, "minute": 15}
